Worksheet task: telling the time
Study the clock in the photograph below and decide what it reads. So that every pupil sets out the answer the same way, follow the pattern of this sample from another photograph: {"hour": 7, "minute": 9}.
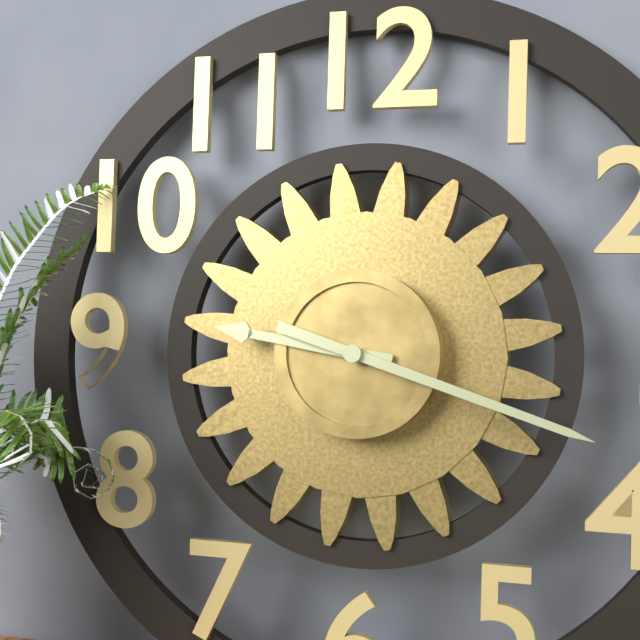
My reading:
{"hour": 9, "minute": 18}
